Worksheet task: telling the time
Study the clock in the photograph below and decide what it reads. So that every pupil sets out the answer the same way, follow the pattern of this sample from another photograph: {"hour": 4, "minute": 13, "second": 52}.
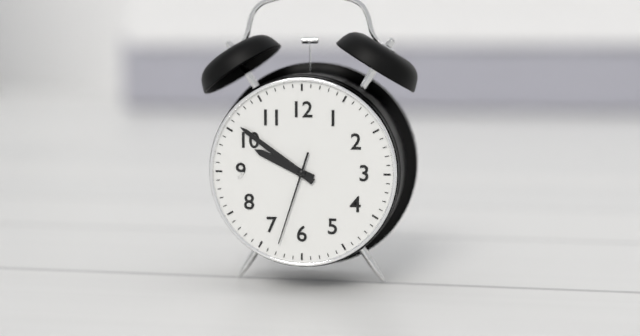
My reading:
{"hour": 9, "minute": 51, "second": 33}
